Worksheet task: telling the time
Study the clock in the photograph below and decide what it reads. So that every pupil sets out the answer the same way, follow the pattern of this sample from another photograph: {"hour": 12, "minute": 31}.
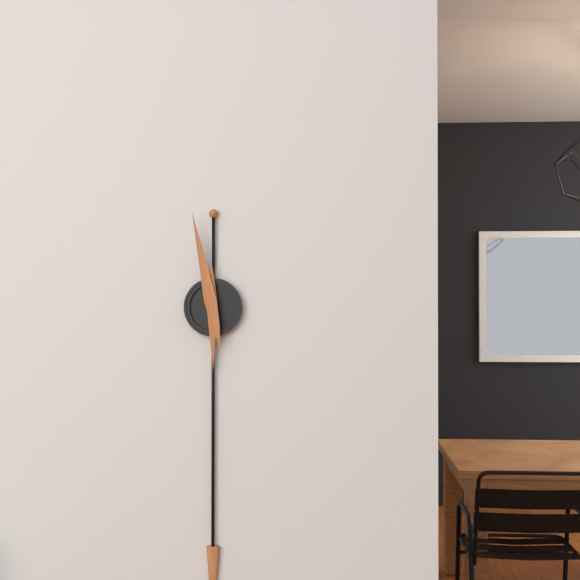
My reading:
{"hour": 5, "minute": 58}
